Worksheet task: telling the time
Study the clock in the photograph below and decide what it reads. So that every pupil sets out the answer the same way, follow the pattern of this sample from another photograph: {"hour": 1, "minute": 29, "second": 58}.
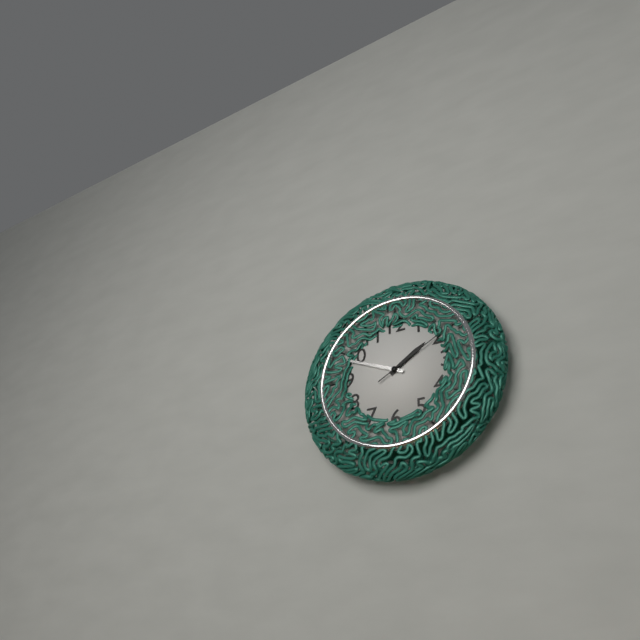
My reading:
{"hour": 1, "minute": 49, "second": 10}
